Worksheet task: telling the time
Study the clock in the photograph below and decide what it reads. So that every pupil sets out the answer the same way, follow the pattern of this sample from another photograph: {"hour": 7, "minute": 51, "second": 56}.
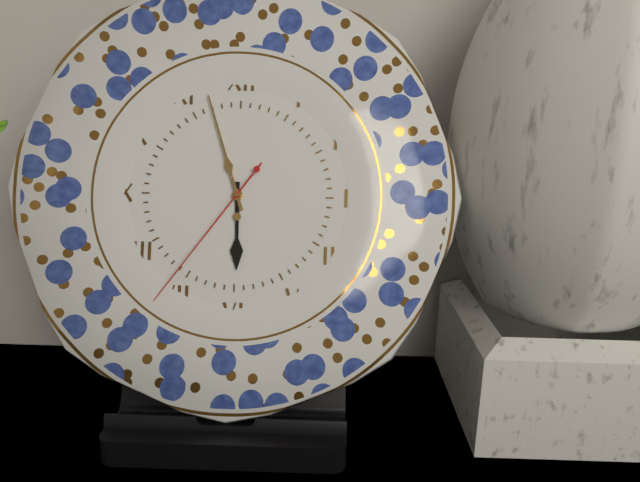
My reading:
{"hour": 5, "minute": 57, "second": 36}
